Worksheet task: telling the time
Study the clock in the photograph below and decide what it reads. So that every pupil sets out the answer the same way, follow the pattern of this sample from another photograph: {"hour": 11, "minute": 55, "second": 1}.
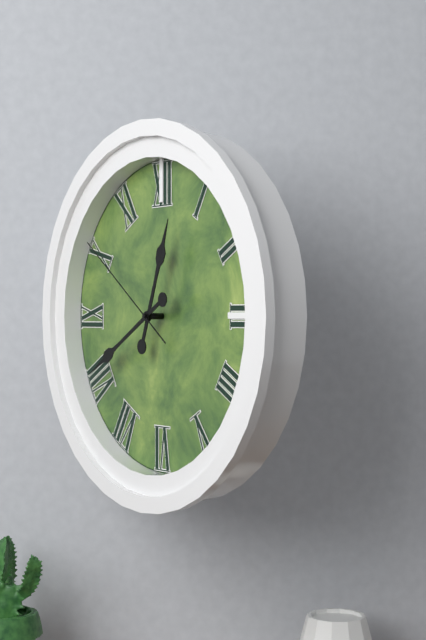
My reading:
{"hour": 12, "minute": 40, "second": 51}
